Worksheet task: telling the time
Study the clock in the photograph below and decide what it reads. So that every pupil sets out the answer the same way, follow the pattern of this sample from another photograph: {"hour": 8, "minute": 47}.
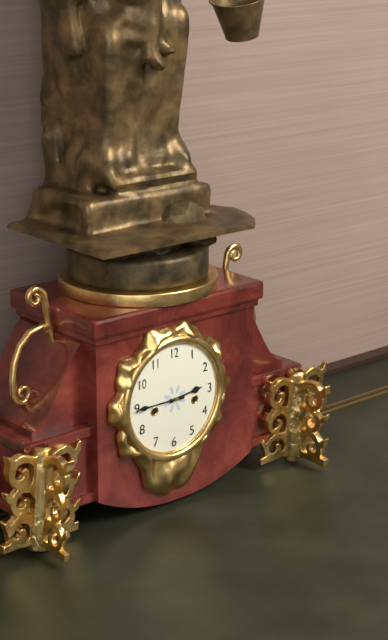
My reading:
{"hour": 2, "minute": 45}
